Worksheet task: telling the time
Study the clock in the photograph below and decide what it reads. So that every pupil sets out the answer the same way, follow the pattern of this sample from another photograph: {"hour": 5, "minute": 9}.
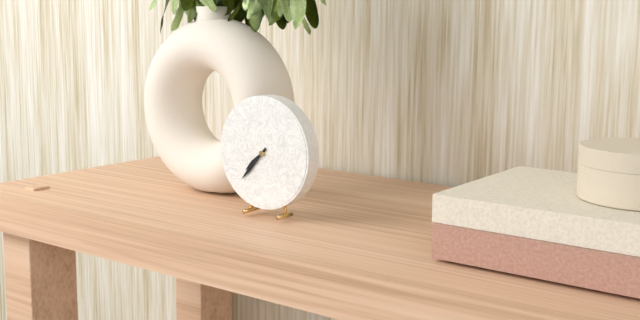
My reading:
{"hour": 7, "minute": 37}
